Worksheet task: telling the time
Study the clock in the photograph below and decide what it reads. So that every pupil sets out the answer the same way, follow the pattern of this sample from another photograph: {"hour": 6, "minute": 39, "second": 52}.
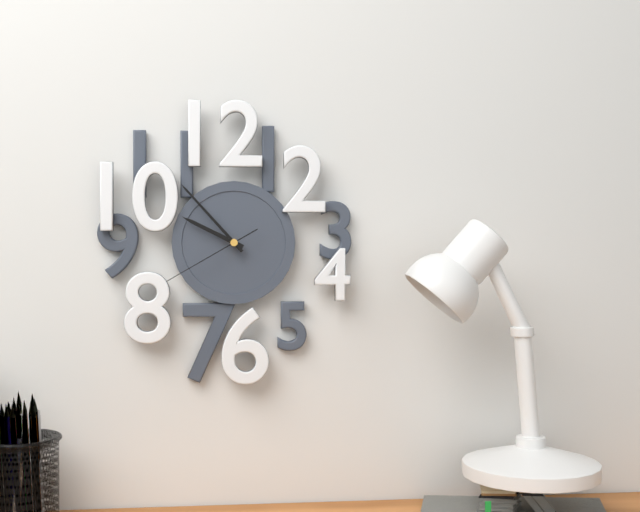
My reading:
{"hour": 9, "minute": 53, "second": 40}
